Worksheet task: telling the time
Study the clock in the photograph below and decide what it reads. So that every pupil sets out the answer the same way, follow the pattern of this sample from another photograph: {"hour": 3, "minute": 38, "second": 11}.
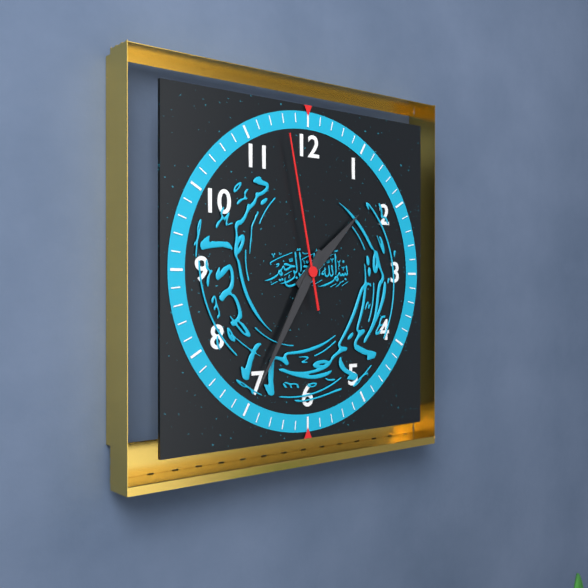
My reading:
{"hour": 1, "minute": 35, "second": 58}
